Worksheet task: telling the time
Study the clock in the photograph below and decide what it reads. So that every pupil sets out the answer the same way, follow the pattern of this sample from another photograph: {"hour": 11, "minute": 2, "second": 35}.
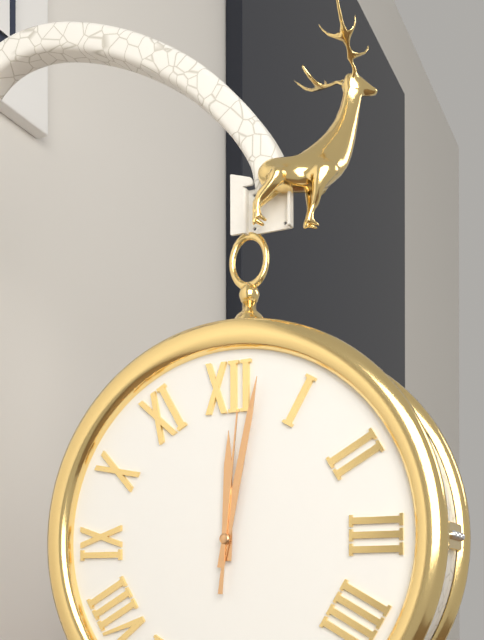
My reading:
{"hour": 12, "minute": 2, "second": 1}
